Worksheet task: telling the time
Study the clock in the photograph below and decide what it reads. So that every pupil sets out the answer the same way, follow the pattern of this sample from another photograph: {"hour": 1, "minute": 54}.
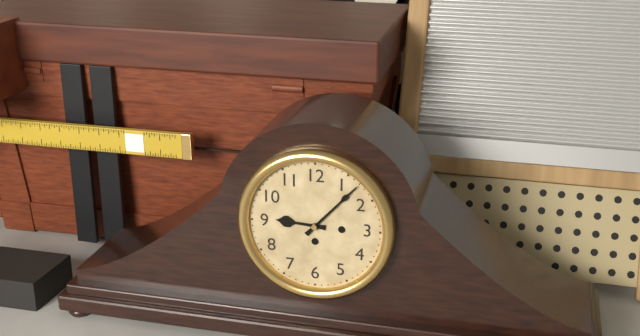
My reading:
{"hour": 9, "minute": 7}
